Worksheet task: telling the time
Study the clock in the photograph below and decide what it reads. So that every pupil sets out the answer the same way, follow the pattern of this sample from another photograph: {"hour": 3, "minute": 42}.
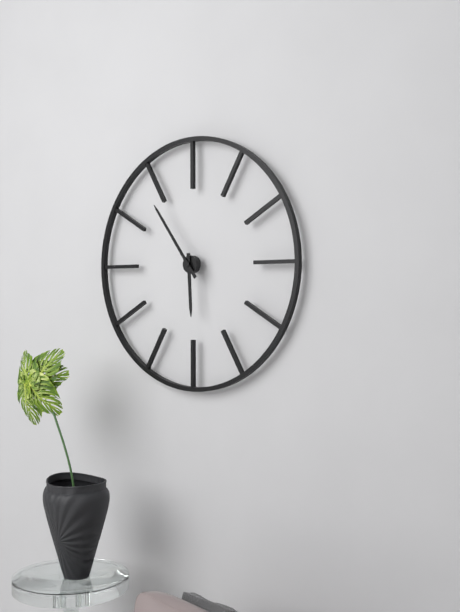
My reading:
{"hour": 5, "minute": 54}
